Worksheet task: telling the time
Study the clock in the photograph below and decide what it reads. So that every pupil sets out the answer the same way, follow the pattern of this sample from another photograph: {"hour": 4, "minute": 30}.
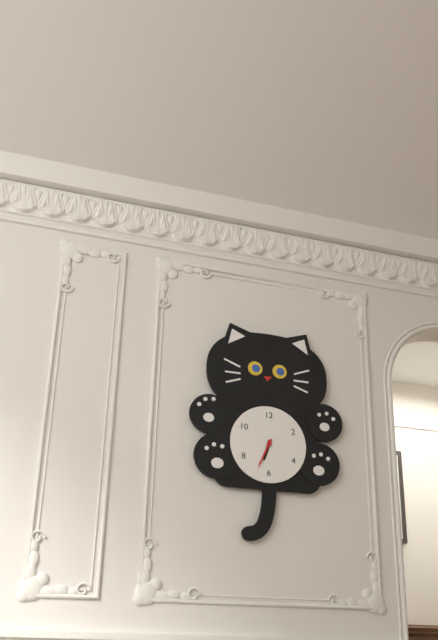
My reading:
{"hour": 6, "minute": 34}
